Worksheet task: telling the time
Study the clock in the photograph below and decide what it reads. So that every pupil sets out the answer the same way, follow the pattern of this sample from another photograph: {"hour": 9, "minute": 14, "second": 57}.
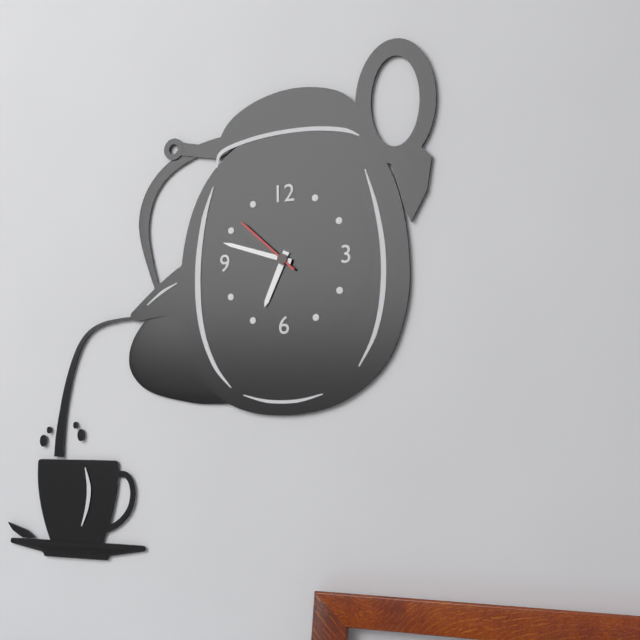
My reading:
{"hour": 6, "minute": 48, "second": 52}
